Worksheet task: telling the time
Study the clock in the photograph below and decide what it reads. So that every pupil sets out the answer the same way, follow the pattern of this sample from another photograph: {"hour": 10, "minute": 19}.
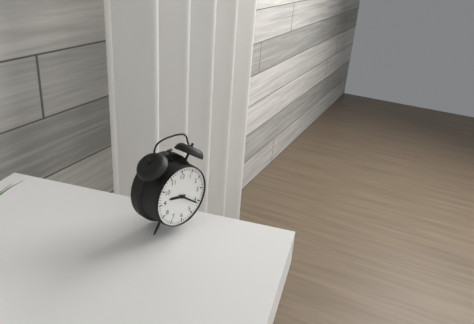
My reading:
{"hour": 9, "minute": 21}
